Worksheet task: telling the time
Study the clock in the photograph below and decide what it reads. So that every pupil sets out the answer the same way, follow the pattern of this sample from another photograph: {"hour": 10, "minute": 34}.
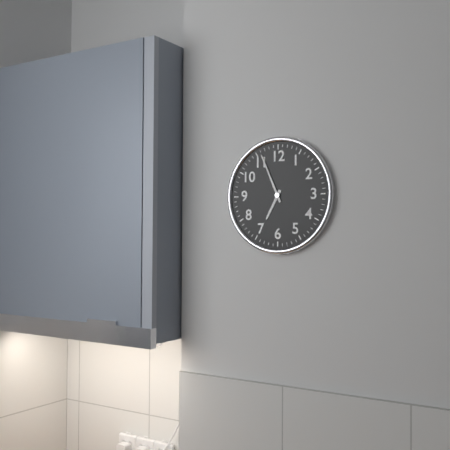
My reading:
{"hour": 6, "minute": 56}
